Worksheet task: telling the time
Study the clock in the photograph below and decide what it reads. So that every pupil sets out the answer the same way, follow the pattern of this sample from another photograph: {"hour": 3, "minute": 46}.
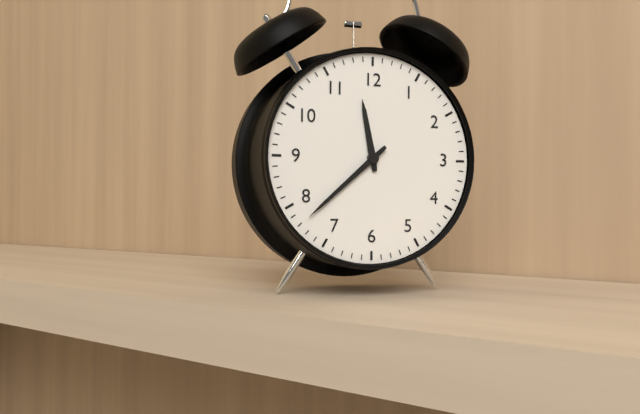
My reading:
{"hour": 11, "minute": 38}
